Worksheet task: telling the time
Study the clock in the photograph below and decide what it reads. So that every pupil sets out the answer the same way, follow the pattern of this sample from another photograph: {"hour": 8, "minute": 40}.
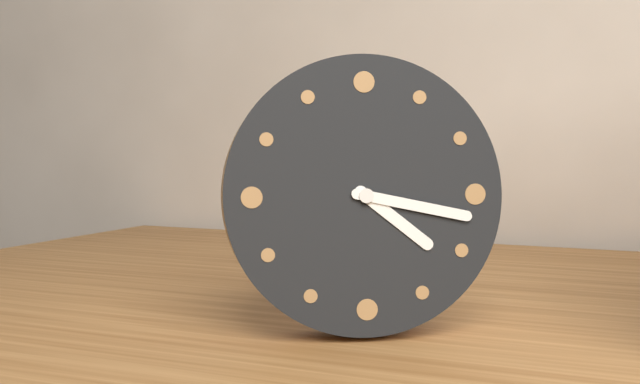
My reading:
{"hour": 4, "minute": 17}
